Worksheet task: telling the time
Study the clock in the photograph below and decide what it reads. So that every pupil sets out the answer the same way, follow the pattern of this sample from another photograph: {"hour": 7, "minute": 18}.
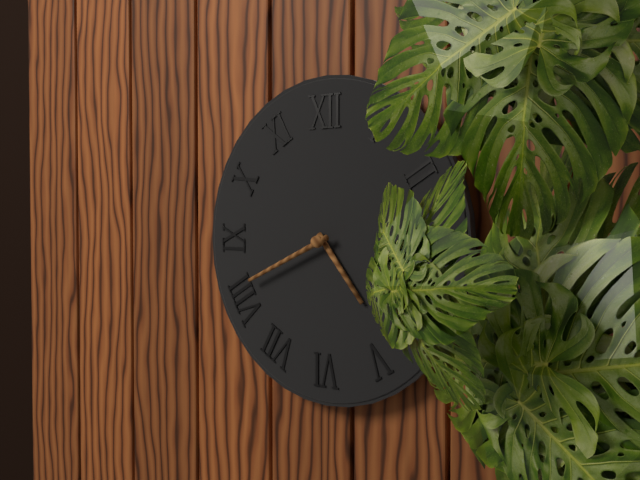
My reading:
{"hour": 4, "minute": 41}
